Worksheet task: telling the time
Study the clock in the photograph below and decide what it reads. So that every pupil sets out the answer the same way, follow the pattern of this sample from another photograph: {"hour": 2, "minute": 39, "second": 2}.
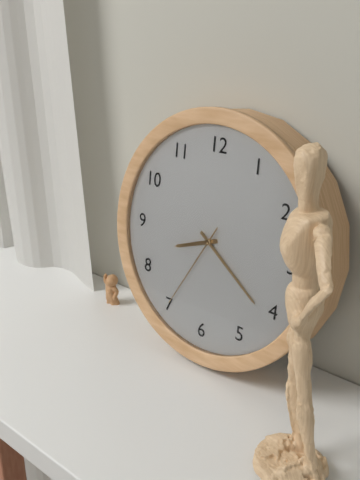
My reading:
{"hour": 8, "minute": 21, "second": 35}
